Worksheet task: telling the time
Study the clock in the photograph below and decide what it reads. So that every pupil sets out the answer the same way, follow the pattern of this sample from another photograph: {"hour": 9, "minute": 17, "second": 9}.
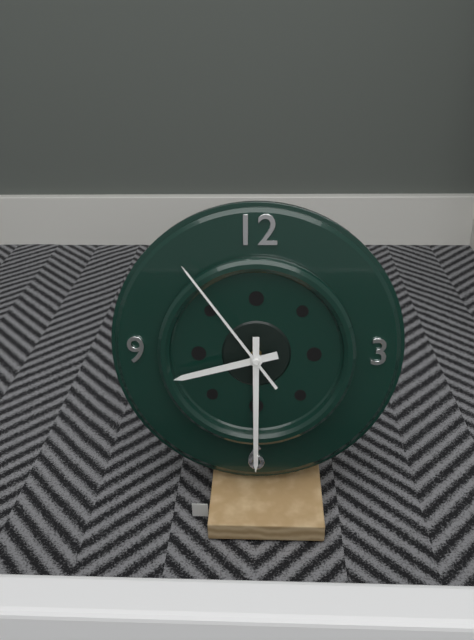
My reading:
{"hour": 8, "minute": 30, "second": 54}
